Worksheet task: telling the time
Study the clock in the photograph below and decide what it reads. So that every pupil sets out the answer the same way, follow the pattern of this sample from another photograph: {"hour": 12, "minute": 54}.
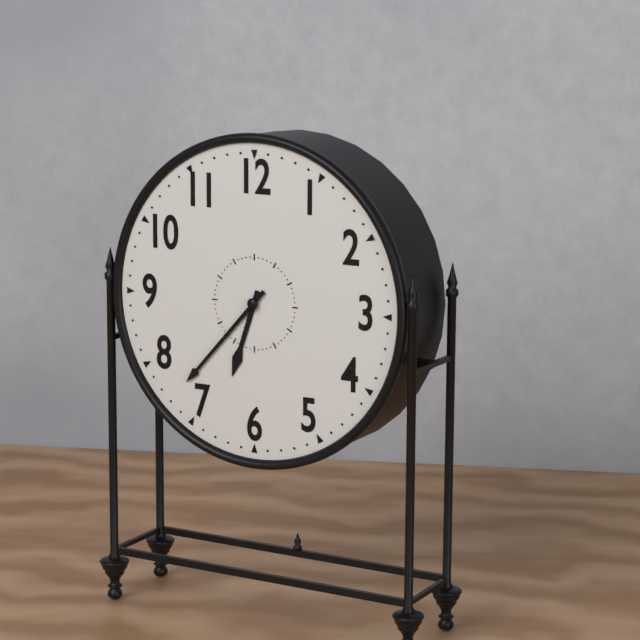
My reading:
{"hour": 6, "minute": 37}
